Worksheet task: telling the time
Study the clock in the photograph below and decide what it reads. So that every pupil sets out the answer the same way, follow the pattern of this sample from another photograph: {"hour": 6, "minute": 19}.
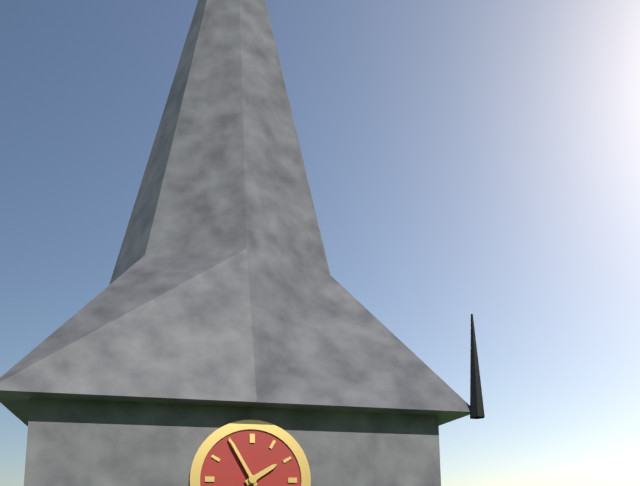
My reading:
{"hour": 1, "minute": 55}
